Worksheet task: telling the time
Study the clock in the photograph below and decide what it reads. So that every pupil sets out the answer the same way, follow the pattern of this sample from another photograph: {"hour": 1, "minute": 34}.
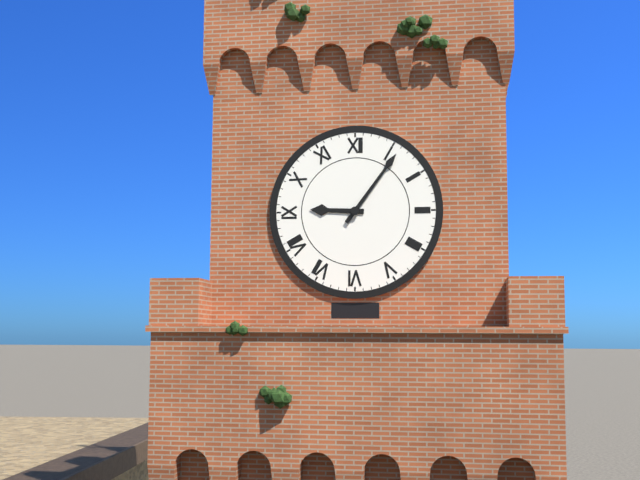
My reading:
{"hour": 9, "minute": 6}
